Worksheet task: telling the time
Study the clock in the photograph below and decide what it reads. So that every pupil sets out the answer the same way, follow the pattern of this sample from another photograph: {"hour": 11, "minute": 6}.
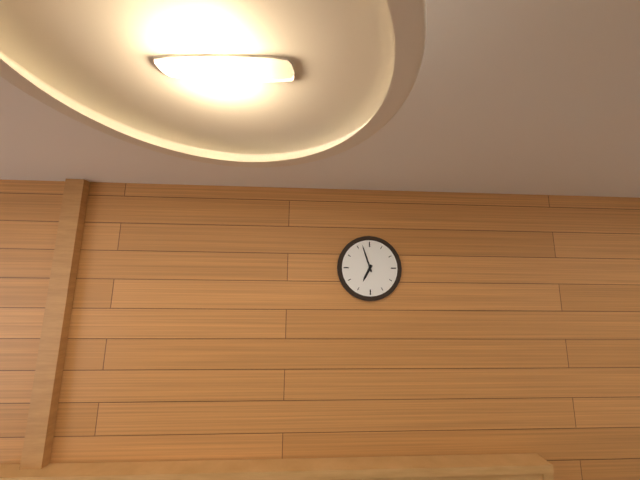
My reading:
{"hour": 6, "minute": 57}
